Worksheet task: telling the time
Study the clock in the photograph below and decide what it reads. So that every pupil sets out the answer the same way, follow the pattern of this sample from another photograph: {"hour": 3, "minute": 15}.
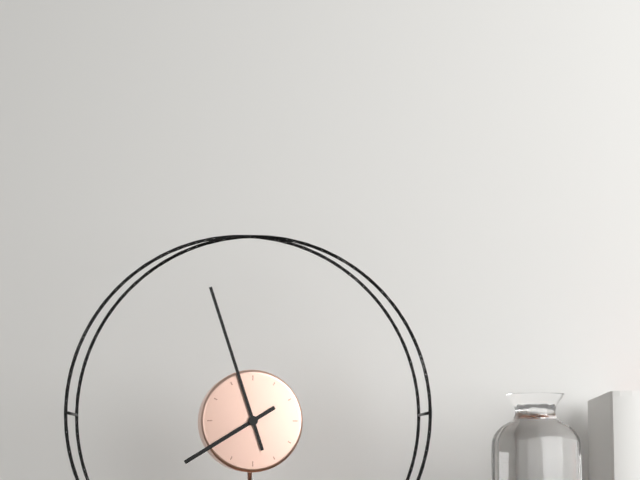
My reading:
{"hour": 7, "minute": 57}
